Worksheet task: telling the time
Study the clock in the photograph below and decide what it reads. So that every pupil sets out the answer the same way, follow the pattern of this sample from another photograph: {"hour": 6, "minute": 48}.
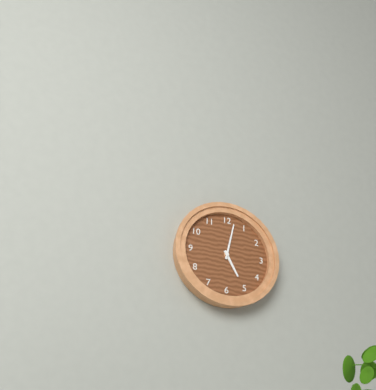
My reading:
{"hour": 5, "minute": 2}
